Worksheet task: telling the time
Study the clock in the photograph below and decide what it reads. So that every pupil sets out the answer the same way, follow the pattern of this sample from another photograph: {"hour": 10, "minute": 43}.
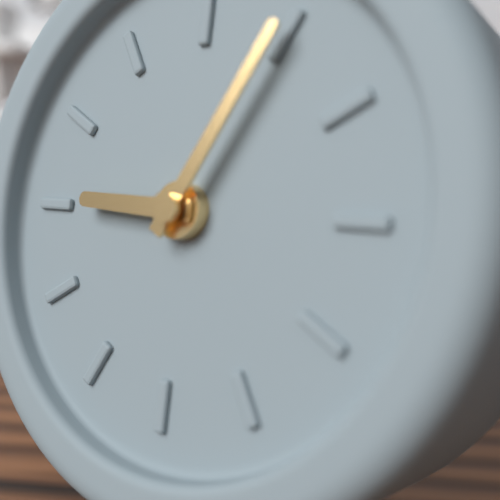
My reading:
{"hour": 9, "minute": 5}
